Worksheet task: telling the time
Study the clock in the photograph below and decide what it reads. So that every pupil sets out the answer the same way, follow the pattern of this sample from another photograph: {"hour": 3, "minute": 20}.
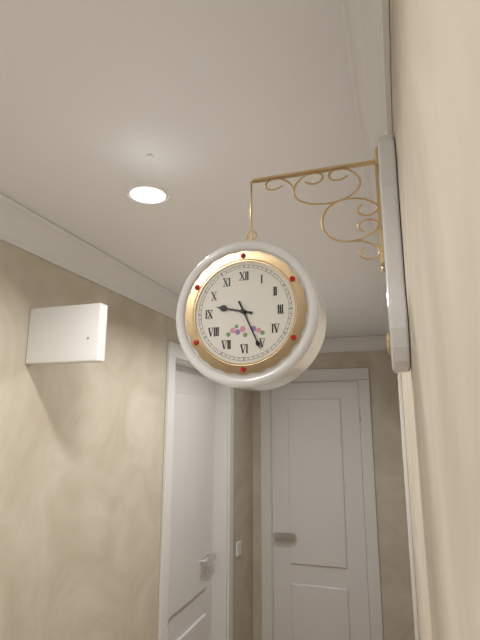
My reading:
{"hour": 9, "minute": 26}
